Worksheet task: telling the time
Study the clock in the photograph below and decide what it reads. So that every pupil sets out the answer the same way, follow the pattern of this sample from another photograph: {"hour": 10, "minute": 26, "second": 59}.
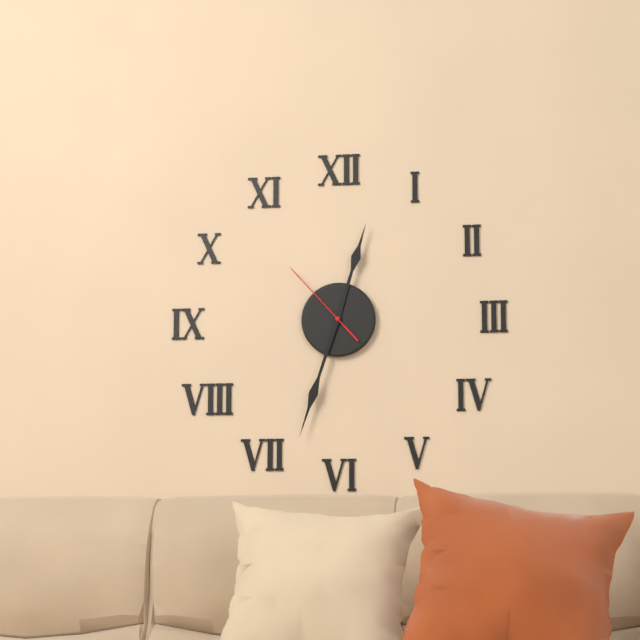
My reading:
{"hour": 12, "minute": 33, "second": 53}
